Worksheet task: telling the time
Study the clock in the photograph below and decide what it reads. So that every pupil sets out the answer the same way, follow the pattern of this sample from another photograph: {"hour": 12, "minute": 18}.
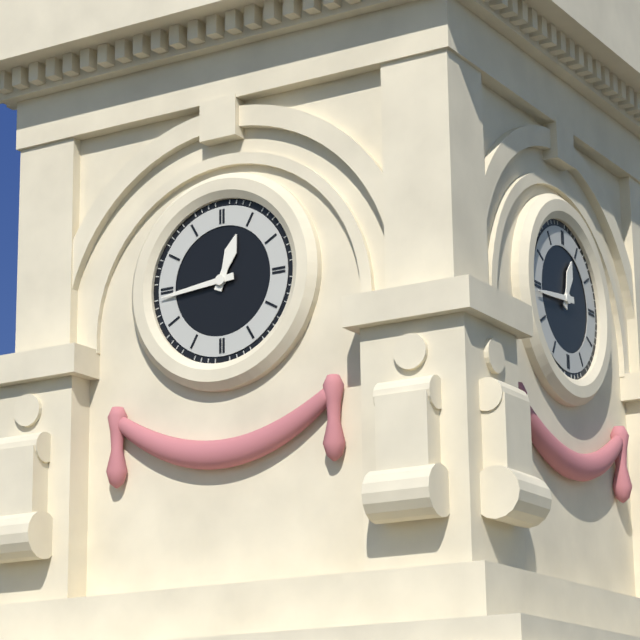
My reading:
{"hour": 12, "minute": 44}
